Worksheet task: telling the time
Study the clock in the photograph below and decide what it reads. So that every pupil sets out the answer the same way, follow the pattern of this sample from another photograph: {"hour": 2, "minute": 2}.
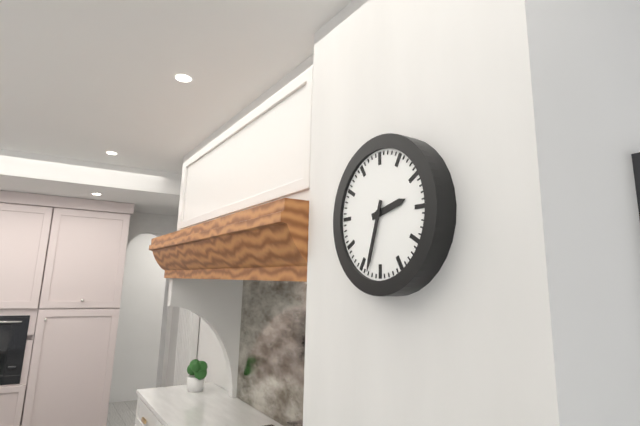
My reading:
{"hour": 2, "minute": 33}
